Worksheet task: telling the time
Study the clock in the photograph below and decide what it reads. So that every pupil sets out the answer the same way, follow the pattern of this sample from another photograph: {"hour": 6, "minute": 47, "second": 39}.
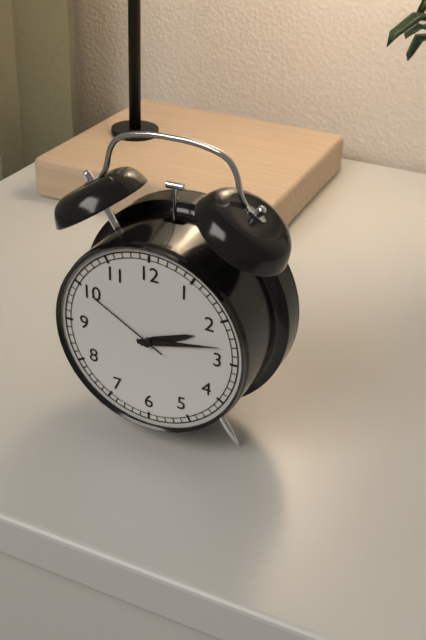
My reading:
{"hour": 2, "minute": 13, "second": 50}
